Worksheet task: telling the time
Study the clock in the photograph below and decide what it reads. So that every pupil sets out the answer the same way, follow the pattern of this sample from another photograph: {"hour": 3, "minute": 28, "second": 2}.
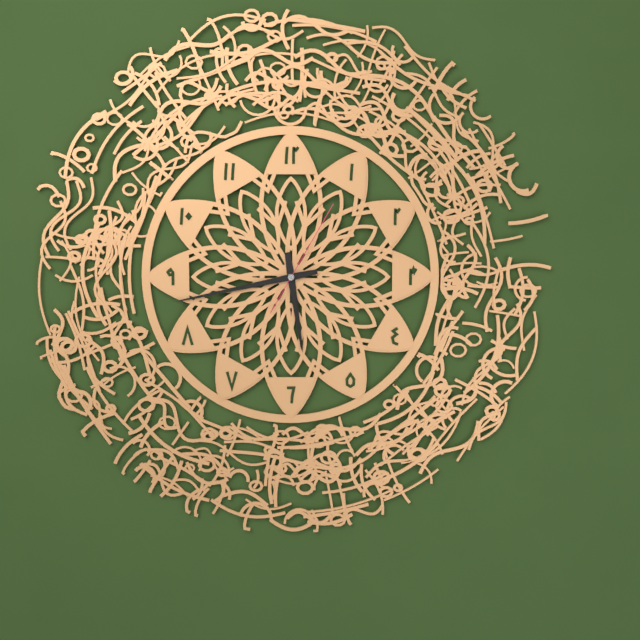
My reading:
{"hour": 5, "minute": 43, "second": 5}
